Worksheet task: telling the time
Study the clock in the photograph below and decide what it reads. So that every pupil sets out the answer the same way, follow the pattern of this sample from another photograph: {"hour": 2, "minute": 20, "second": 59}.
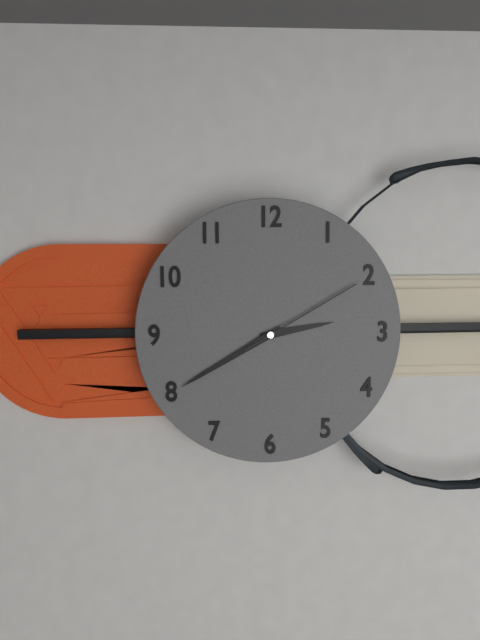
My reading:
{"hour": 2, "minute": 40, "second": 10}
